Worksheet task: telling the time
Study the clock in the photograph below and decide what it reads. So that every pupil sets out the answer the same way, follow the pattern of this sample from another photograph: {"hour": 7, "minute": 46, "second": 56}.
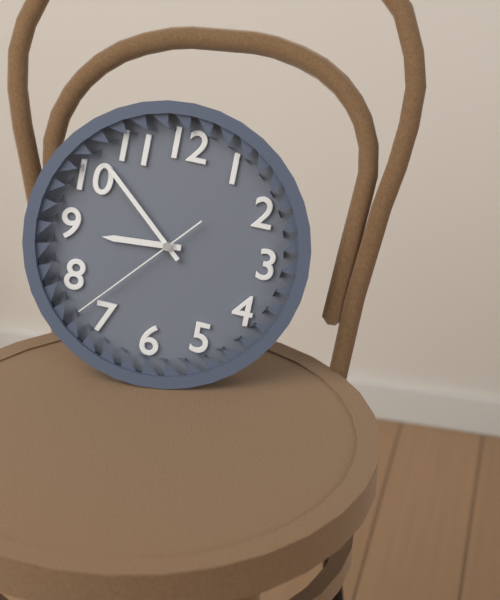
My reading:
{"hour": 8, "minute": 52, "second": 37}
